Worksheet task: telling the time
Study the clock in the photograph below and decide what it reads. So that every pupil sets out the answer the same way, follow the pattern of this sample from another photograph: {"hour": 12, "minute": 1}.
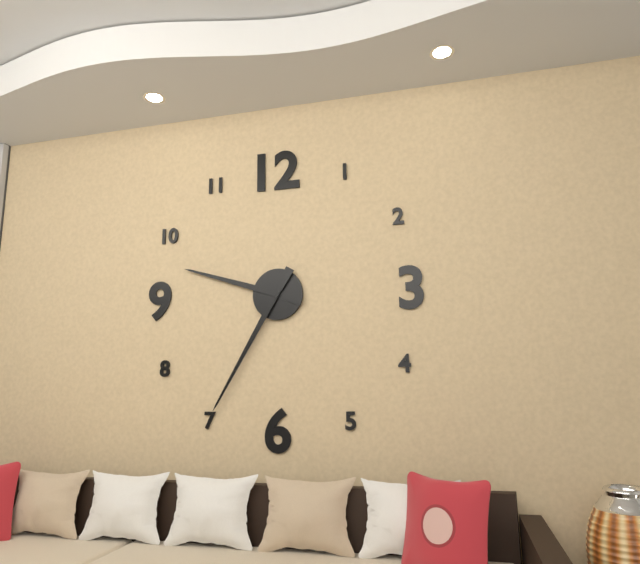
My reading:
{"hour": 9, "minute": 35}
